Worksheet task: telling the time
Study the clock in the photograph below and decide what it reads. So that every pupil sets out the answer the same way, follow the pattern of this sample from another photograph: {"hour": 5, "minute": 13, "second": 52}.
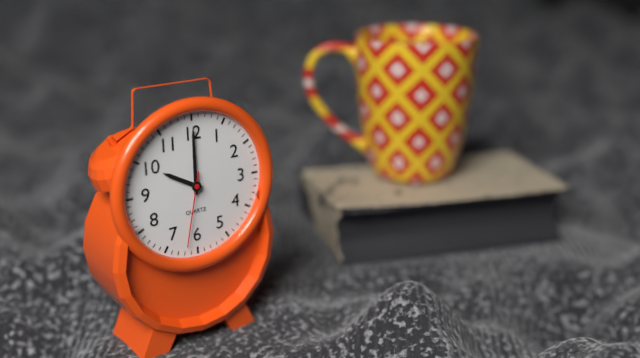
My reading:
{"hour": 10, "minute": 0, "second": 32}
